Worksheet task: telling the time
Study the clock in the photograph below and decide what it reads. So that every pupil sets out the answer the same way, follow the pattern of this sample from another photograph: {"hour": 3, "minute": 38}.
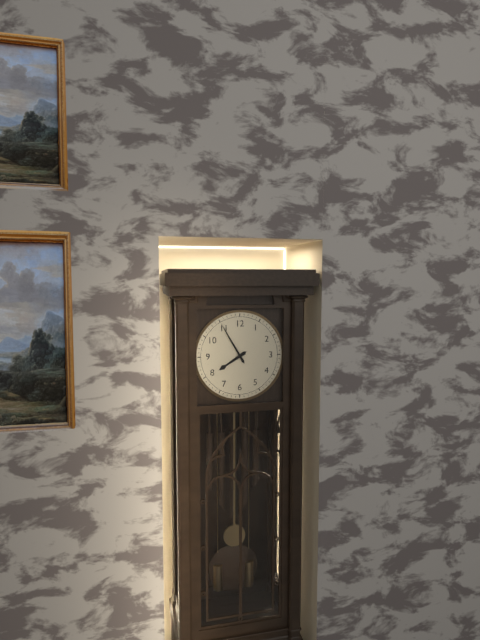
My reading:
{"hour": 7, "minute": 55}
